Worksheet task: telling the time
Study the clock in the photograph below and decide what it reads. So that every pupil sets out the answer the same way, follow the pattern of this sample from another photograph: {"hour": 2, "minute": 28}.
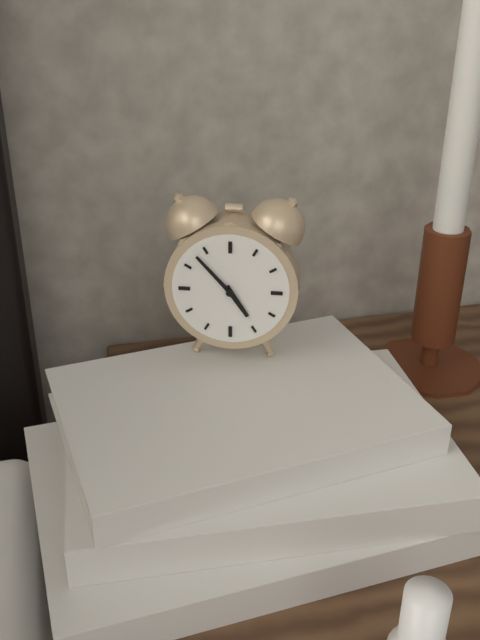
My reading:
{"hour": 4, "minute": 53}
